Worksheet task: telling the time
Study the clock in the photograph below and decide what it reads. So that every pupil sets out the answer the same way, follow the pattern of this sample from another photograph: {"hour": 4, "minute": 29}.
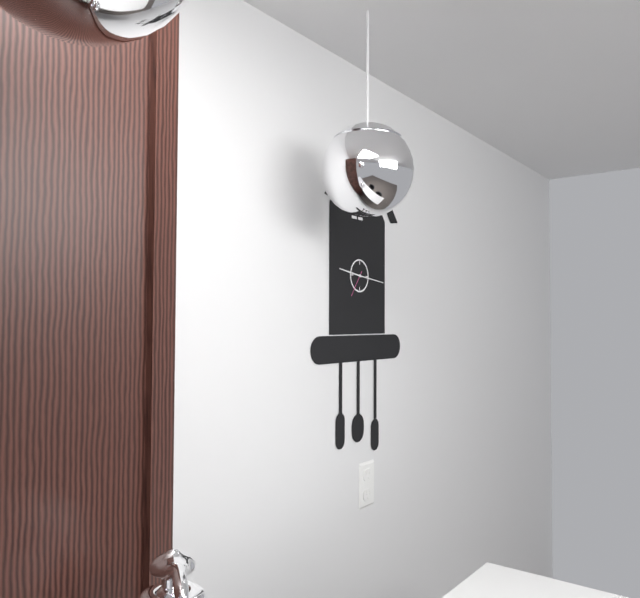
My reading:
{"hour": 9, "minute": 16}
